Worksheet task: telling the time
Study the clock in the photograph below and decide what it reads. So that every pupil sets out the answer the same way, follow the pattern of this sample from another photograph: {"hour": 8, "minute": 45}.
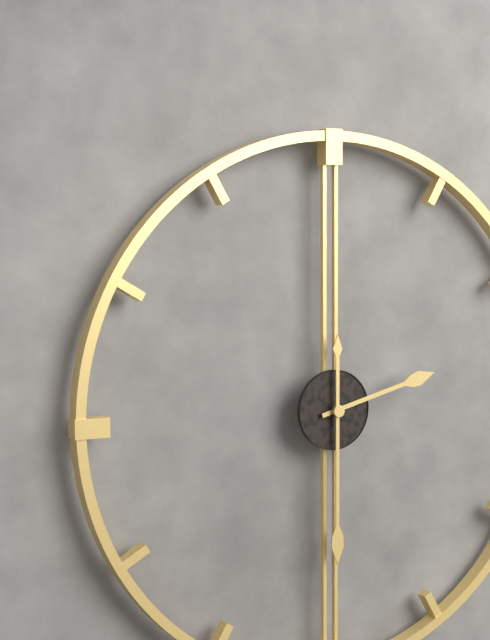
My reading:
{"hour": 2, "minute": 30}
